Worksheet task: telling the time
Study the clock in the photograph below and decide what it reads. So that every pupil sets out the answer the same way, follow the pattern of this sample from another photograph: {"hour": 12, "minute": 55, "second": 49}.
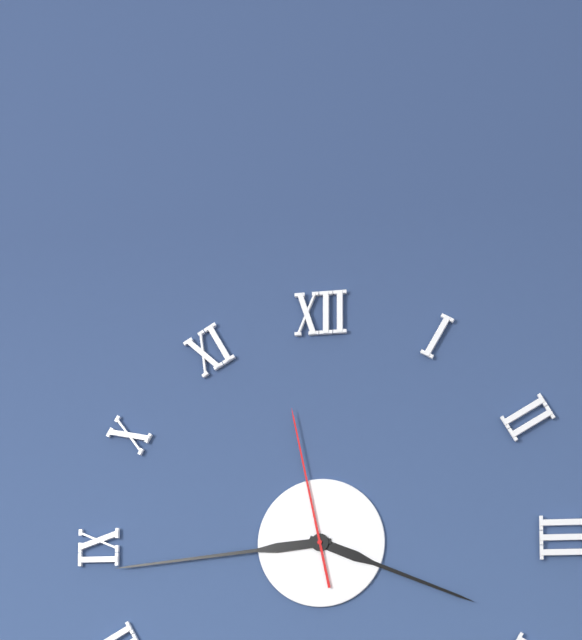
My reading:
{"hour": 3, "minute": 44, "second": 58}
